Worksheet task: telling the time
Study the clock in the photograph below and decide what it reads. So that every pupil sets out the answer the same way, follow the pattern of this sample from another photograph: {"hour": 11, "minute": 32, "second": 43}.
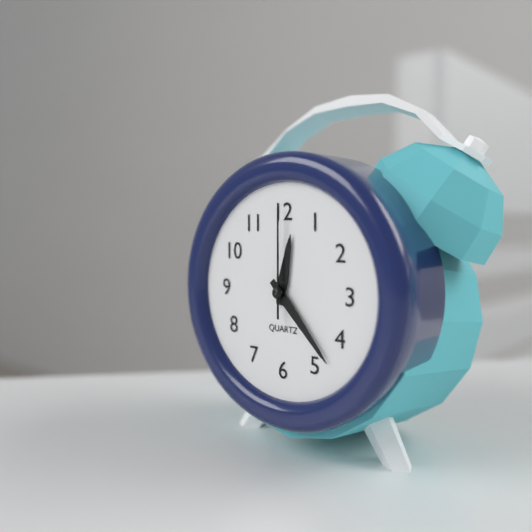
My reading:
{"hour": 12, "minute": 23, "second": 0}
